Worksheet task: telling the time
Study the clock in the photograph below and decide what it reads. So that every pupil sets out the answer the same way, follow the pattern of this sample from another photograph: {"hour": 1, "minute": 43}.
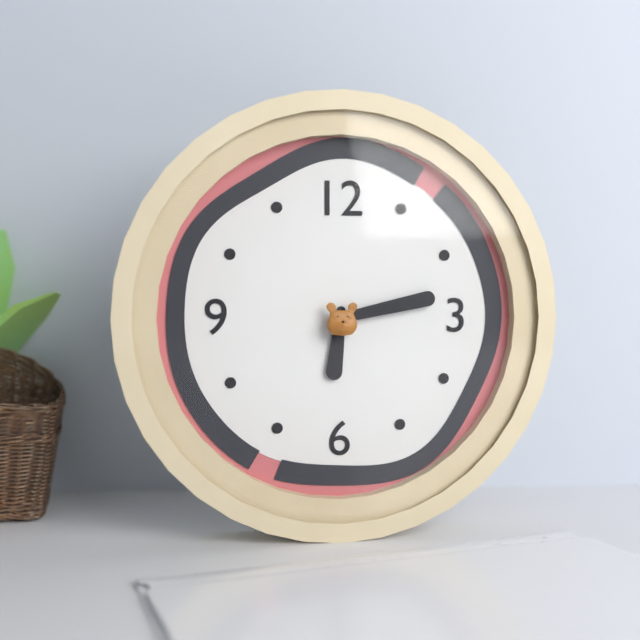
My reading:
{"hour": 6, "minute": 13}
